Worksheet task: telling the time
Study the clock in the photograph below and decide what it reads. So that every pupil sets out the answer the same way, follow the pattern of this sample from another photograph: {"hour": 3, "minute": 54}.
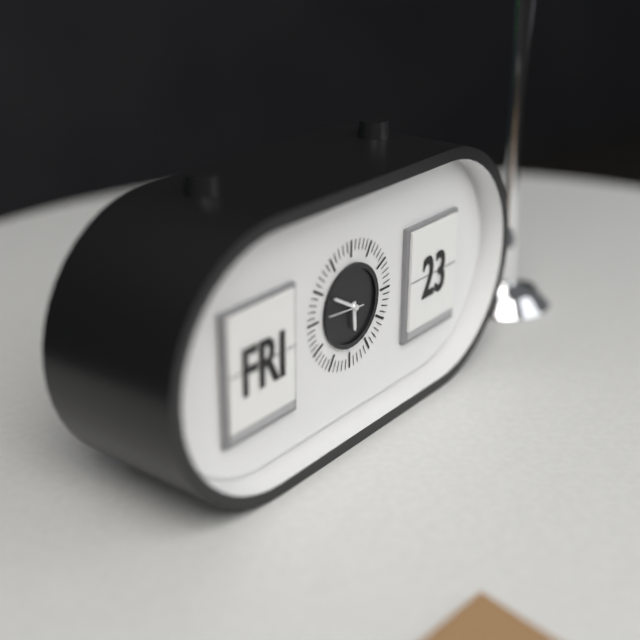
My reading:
{"hour": 5, "minute": 50}
